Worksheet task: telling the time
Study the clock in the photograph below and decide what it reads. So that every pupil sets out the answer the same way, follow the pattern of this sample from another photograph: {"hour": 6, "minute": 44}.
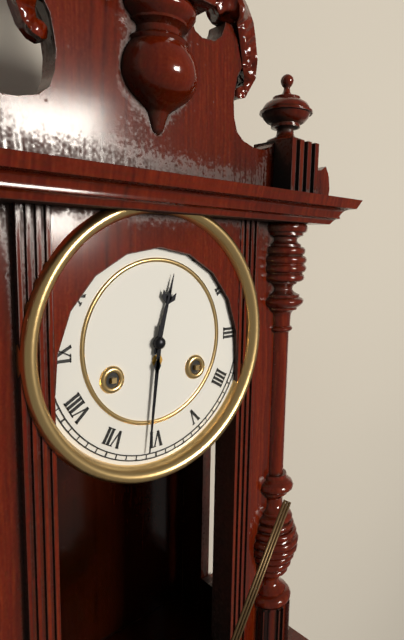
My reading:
{"hour": 12, "minute": 31}
